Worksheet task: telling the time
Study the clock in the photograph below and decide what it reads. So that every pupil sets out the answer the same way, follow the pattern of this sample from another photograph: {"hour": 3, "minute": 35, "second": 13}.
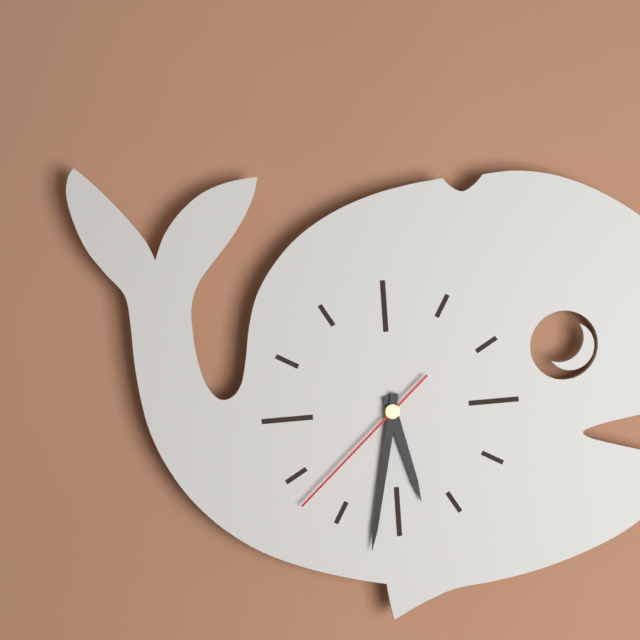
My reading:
{"hour": 5, "minute": 32, "second": 38}
